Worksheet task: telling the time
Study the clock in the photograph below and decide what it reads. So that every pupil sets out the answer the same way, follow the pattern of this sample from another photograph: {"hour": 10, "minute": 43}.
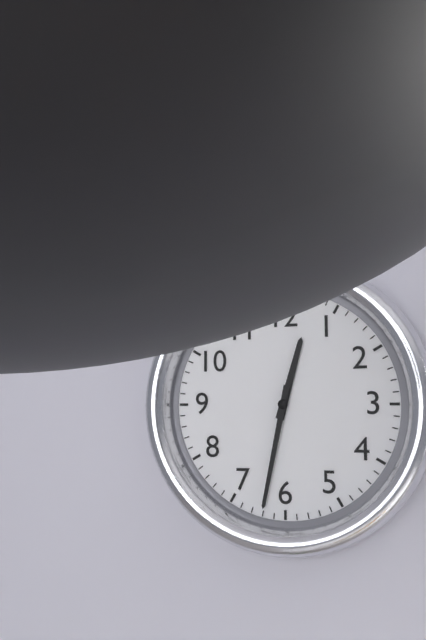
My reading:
{"hour": 12, "minute": 32}
